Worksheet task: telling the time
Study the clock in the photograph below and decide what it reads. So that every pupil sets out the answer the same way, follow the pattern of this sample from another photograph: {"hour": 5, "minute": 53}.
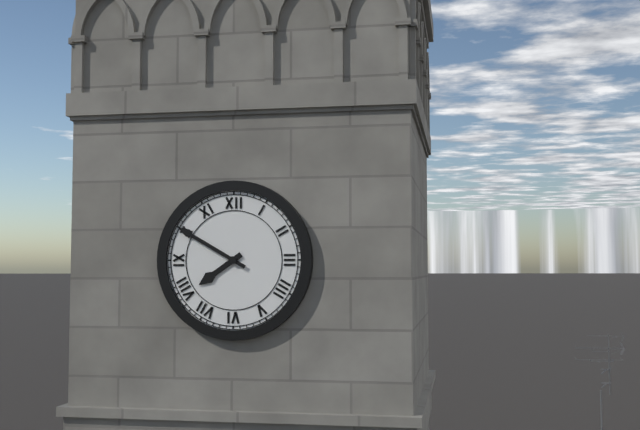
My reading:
{"hour": 7, "minute": 50}
